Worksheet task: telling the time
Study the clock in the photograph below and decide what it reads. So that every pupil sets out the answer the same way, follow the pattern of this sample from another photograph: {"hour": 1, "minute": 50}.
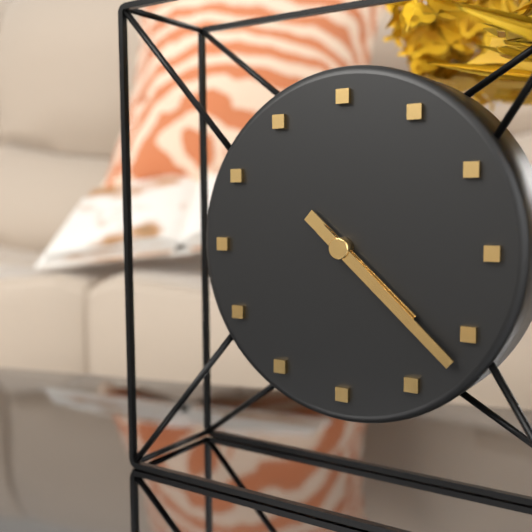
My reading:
{"hour": 4, "minute": 22}
